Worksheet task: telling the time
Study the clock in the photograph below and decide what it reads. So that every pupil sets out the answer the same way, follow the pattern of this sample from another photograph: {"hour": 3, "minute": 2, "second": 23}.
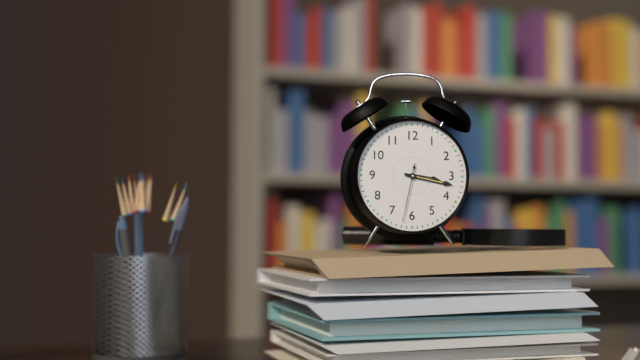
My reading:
{"hour": 3, "minute": 17, "second": 32}
